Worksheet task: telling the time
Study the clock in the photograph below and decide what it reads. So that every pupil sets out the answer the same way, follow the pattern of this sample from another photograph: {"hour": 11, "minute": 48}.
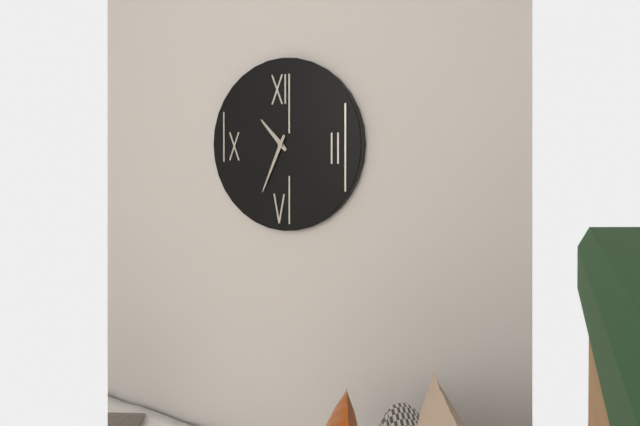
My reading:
{"hour": 10, "minute": 34}
